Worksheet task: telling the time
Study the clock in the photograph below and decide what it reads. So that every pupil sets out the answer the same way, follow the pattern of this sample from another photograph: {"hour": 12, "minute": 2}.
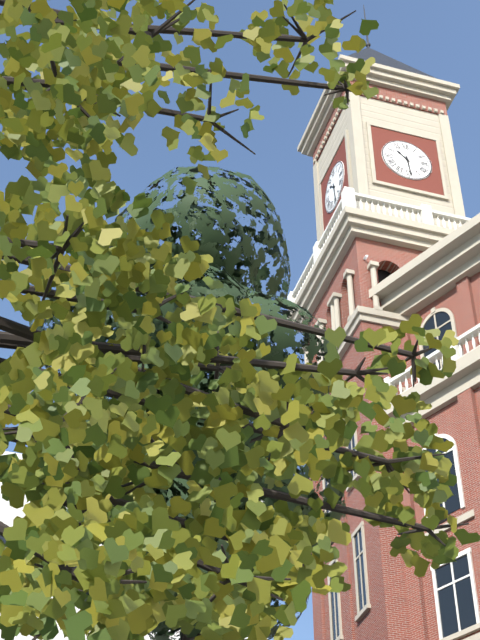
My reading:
{"hour": 10, "minute": 29}
